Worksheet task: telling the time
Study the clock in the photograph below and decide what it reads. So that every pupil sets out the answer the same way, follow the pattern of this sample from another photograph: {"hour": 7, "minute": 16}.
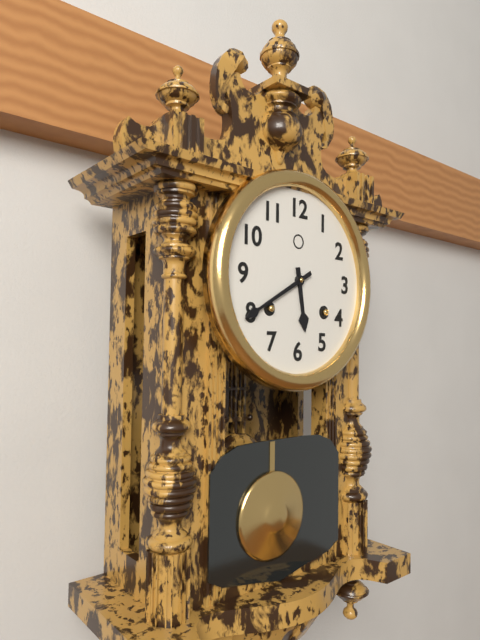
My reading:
{"hour": 5, "minute": 40}
